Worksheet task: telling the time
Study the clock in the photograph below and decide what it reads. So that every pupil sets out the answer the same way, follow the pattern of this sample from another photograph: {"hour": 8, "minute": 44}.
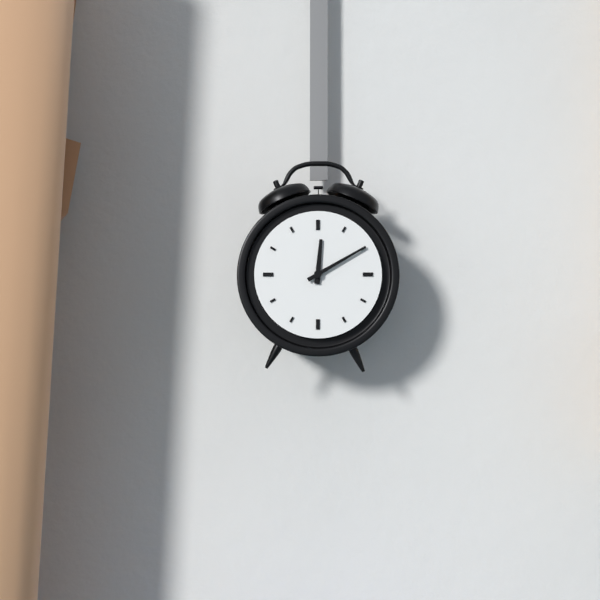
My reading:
{"hour": 12, "minute": 10}
